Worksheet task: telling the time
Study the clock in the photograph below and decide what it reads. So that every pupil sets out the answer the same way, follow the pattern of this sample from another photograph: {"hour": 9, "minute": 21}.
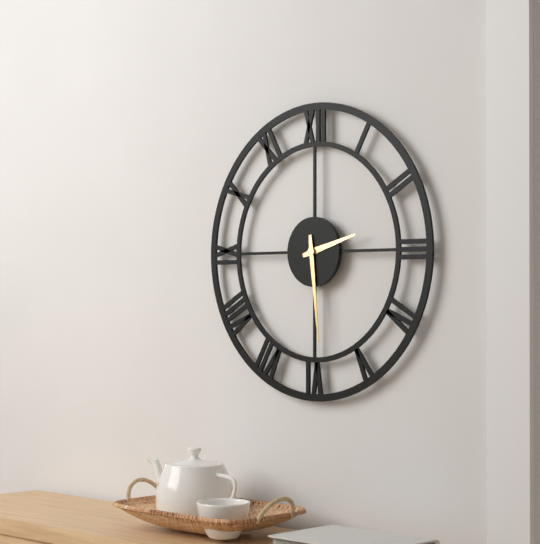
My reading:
{"hour": 2, "minute": 29}
